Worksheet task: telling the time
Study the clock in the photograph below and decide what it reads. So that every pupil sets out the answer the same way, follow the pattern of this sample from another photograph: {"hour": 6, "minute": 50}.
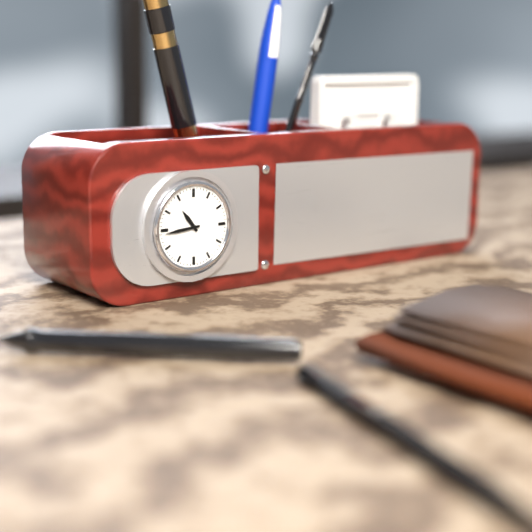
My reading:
{"hour": 10, "minute": 44}
